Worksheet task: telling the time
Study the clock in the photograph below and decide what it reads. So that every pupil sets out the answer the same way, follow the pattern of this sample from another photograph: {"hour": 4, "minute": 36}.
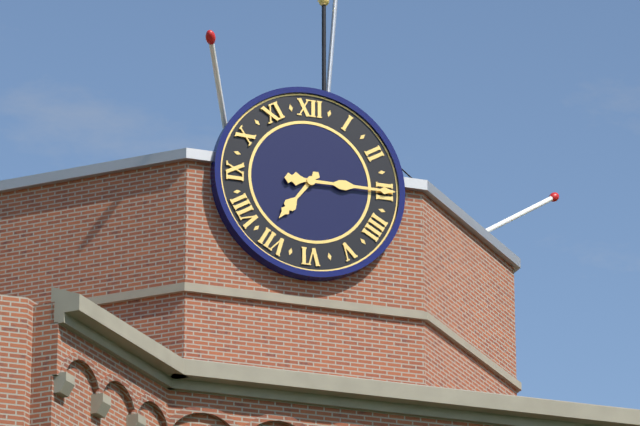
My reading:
{"hour": 7, "minute": 15}
